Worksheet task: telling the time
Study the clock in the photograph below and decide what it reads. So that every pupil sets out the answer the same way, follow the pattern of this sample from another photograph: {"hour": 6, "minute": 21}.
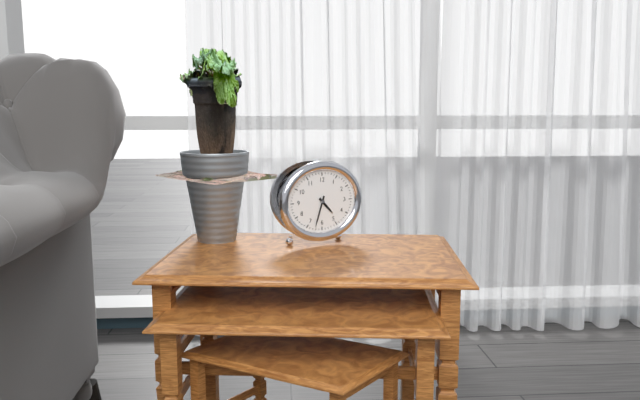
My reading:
{"hour": 4, "minute": 33}
